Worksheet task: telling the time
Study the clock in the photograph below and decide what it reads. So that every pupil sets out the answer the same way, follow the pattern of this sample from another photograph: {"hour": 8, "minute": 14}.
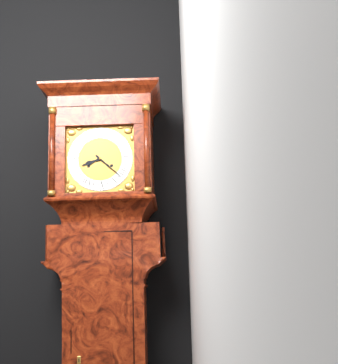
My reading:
{"hour": 8, "minute": 22}
